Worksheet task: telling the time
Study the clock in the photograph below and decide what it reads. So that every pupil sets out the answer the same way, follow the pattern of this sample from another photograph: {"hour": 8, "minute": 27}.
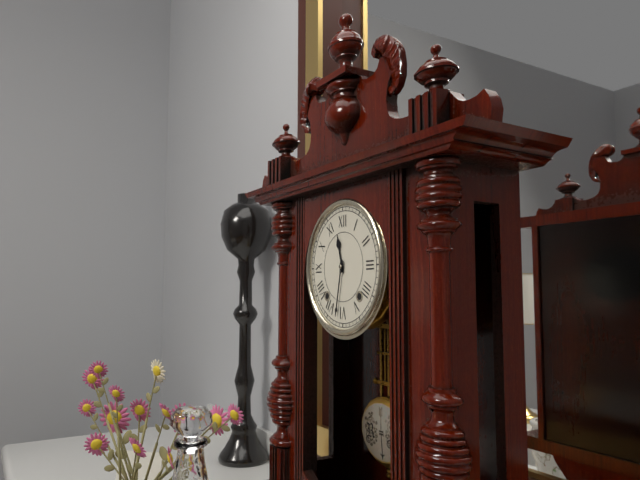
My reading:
{"hour": 11, "minute": 32}
